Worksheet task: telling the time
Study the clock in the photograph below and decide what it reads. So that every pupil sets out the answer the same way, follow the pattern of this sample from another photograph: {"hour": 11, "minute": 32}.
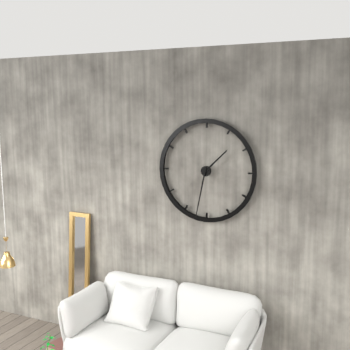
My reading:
{"hour": 1, "minute": 32}
